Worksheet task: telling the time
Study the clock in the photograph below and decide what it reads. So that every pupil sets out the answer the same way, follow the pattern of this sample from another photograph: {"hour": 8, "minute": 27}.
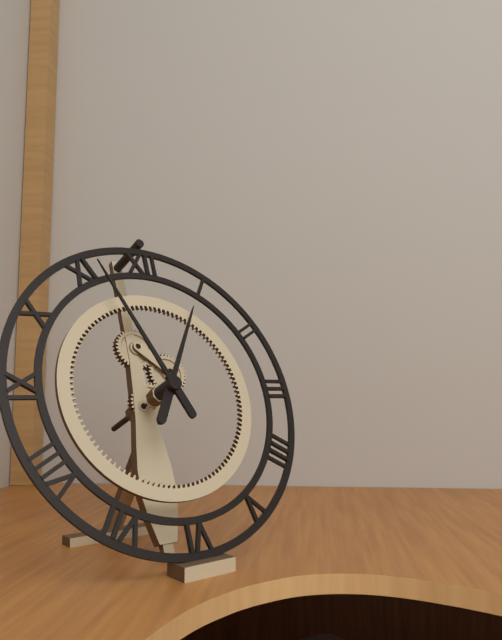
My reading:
{"hour": 12, "minute": 56}
